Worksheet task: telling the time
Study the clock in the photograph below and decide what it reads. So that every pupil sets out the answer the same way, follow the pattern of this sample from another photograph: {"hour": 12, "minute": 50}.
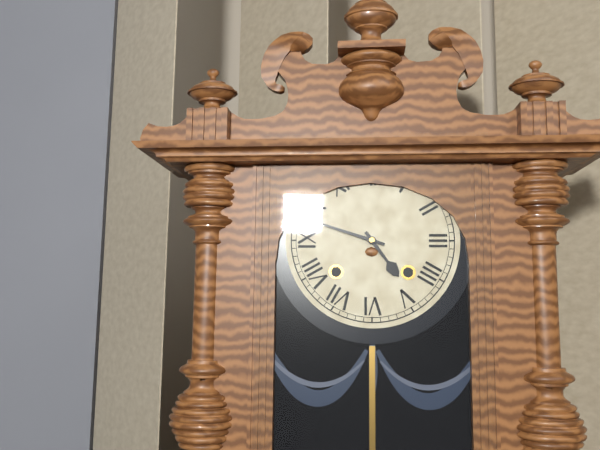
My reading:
{"hour": 4, "minute": 48}
